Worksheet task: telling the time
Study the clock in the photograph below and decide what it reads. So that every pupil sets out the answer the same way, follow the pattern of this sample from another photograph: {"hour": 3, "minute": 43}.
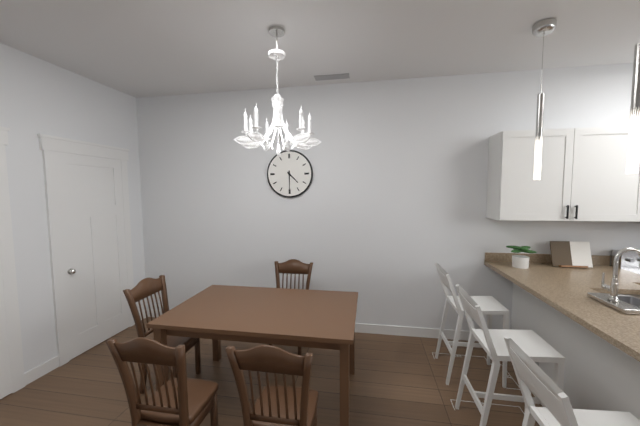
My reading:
{"hour": 4, "minute": 30}
